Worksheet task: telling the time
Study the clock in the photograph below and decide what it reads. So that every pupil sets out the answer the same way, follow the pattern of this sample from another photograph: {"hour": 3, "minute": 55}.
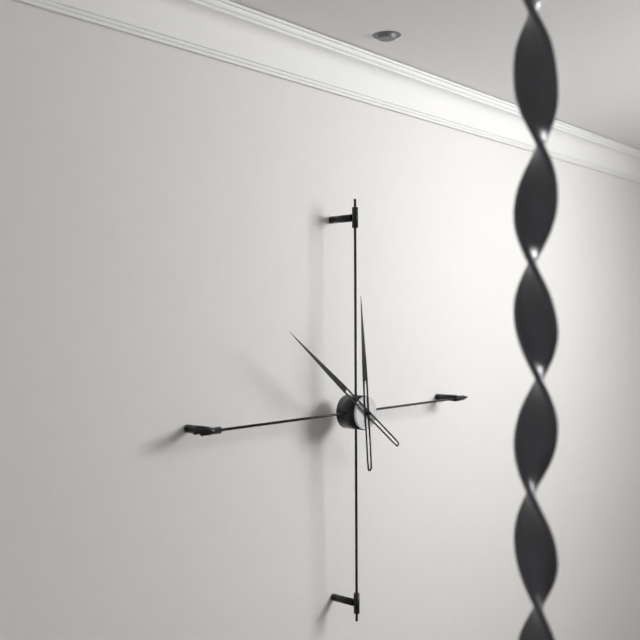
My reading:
{"hour": 11, "minute": 51}
